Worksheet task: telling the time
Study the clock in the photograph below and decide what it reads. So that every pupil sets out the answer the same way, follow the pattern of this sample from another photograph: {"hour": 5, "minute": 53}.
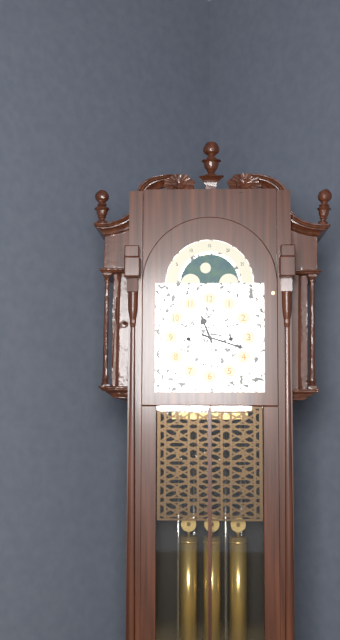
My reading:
{"hour": 11, "minute": 18}
